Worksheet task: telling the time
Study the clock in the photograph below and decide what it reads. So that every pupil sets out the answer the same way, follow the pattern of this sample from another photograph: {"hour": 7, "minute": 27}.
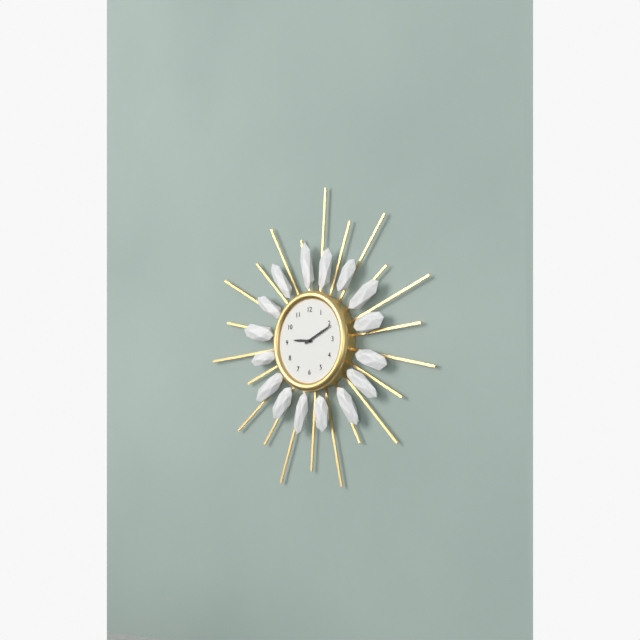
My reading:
{"hour": 9, "minute": 11}
